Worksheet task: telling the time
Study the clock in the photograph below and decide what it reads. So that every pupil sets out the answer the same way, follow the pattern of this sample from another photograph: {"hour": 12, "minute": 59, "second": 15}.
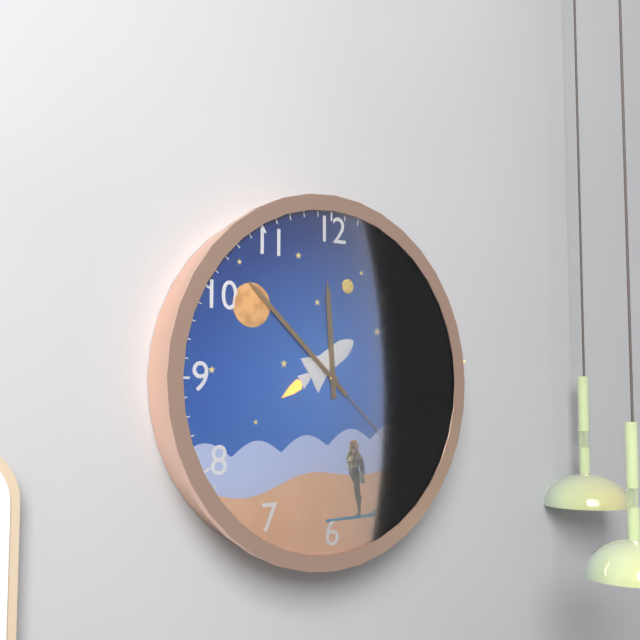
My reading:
{"hour": 11, "minute": 52, "second": 22}
